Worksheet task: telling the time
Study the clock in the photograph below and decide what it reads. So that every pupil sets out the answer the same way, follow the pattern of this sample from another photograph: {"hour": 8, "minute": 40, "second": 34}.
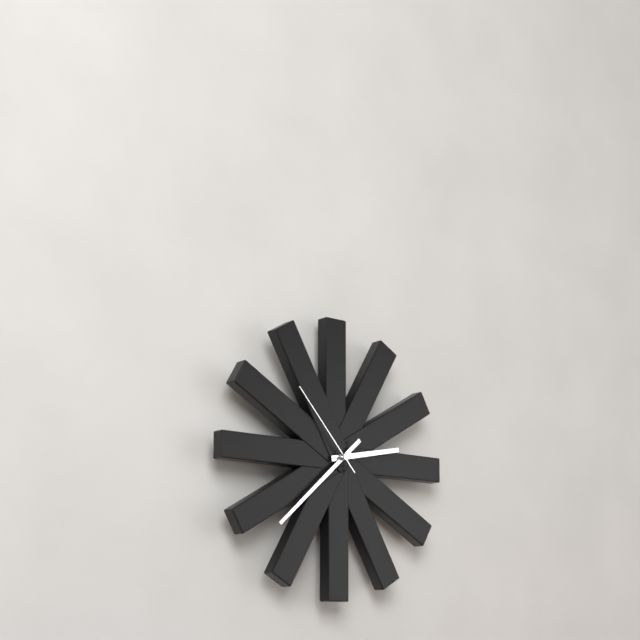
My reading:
{"hour": 2, "minute": 38, "second": 53}
